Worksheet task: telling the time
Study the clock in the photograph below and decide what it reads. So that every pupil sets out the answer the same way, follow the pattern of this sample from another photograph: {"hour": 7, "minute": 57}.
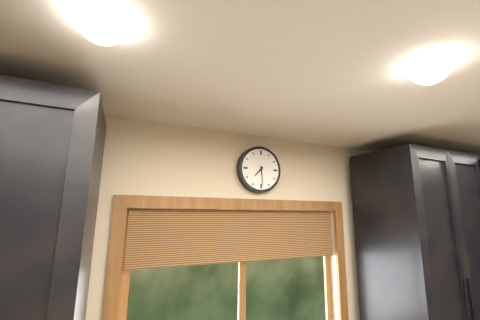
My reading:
{"hour": 7, "minute": 29}
